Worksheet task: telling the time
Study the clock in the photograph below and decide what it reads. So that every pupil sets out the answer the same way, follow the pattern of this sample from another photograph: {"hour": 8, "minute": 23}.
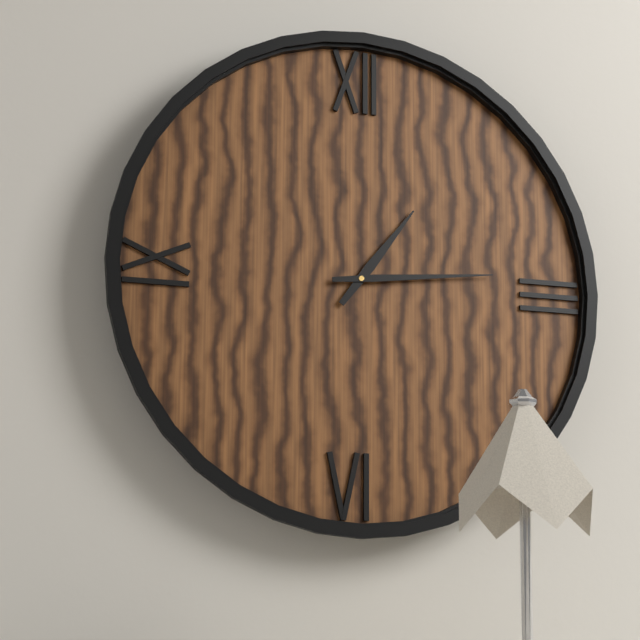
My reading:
{"hour": 1, "minute": 14}
